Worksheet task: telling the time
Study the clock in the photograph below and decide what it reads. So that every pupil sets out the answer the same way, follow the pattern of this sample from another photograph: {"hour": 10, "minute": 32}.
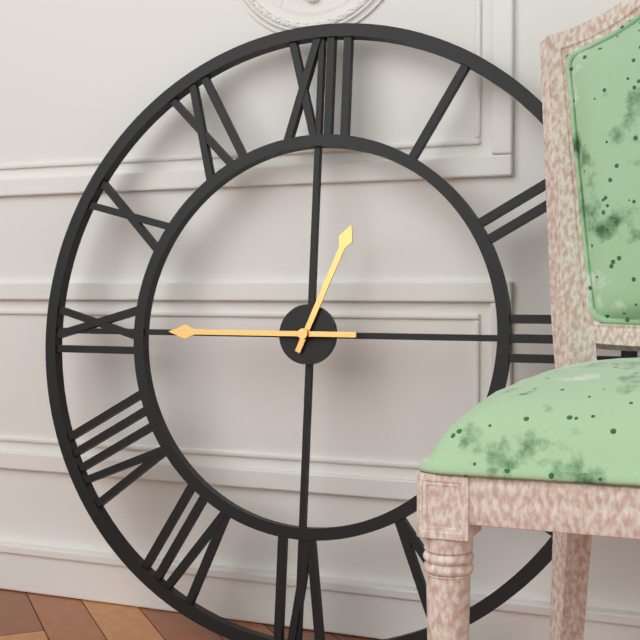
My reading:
{"hour": 12, "minute": 45}
